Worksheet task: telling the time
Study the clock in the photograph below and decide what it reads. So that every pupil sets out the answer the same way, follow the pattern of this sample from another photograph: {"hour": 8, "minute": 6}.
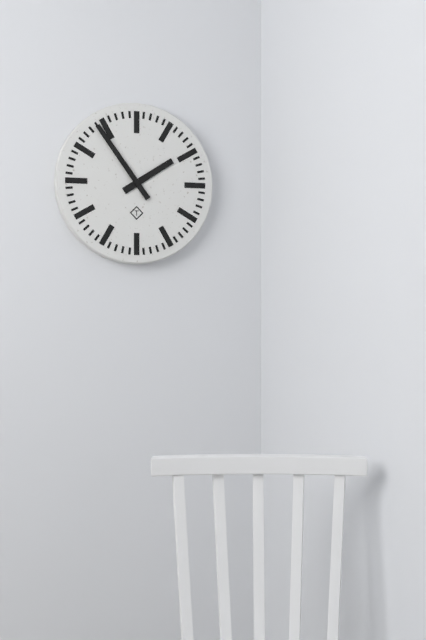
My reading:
{"hour": 1, "minute": 54}
